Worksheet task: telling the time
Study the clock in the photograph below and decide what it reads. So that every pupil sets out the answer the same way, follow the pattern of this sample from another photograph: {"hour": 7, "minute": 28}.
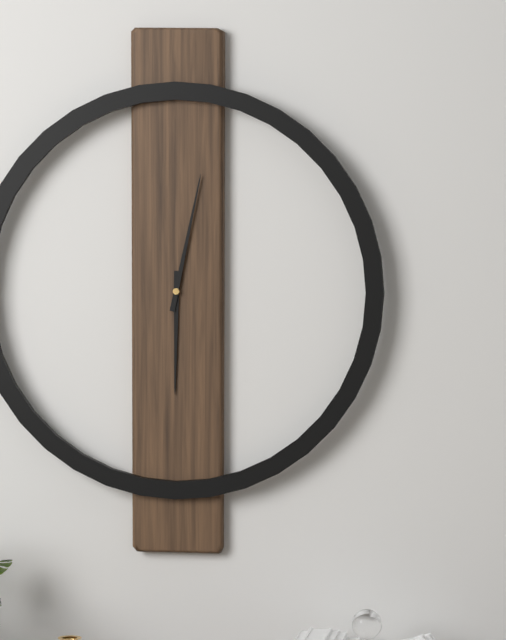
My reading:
{"hour": 6, "minute": 2}
